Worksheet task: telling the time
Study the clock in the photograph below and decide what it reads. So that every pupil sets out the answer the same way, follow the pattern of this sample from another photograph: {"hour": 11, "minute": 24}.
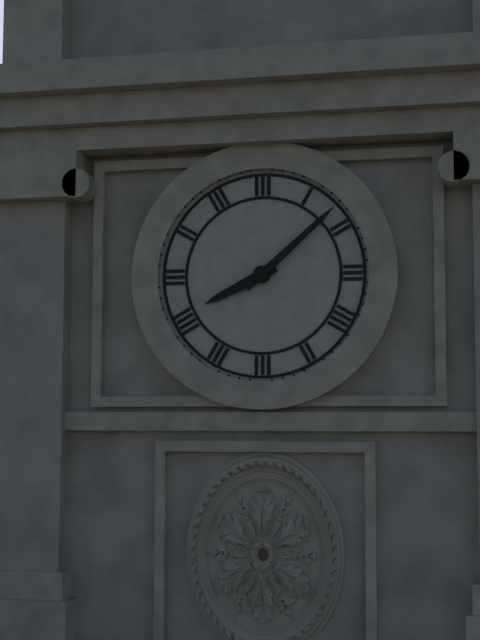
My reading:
{"hour": 8, "minute": 8}
